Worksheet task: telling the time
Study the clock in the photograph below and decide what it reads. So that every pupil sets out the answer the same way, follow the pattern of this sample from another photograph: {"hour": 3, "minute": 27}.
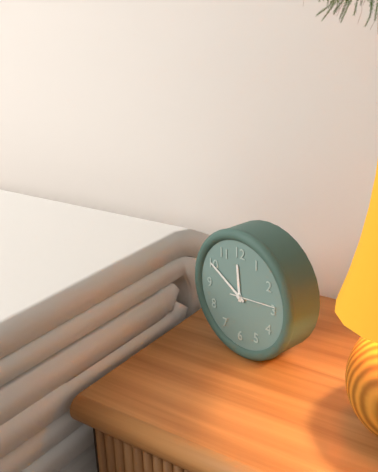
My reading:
{"hour": 11, "minute": 50}
